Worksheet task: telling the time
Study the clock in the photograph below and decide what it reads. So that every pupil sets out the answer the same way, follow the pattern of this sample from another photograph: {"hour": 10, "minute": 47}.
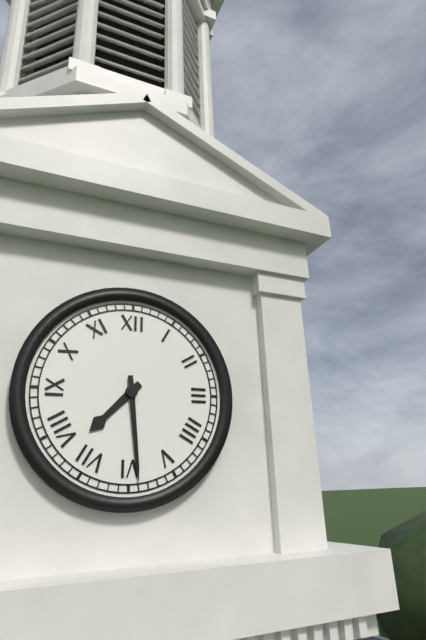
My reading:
{"hour": 7, "minute": 29}
